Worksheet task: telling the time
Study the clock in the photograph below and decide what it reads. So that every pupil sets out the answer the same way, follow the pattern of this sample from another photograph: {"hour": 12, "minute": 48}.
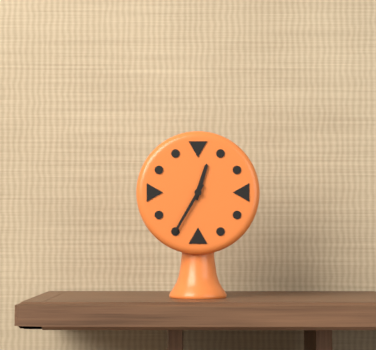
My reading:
{"hour": 12, "minute": 35}
